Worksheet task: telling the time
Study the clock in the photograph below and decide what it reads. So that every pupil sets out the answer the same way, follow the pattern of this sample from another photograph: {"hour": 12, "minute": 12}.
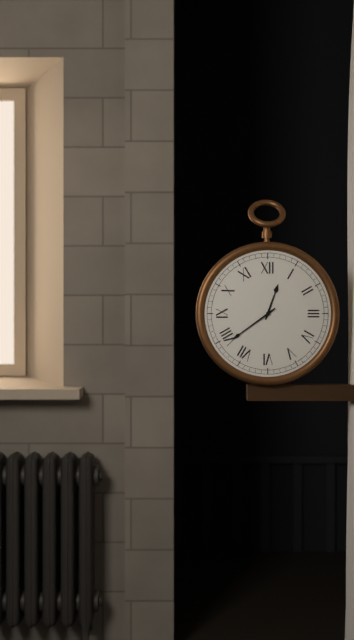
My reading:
{"hour": 12, "minute": 39}
